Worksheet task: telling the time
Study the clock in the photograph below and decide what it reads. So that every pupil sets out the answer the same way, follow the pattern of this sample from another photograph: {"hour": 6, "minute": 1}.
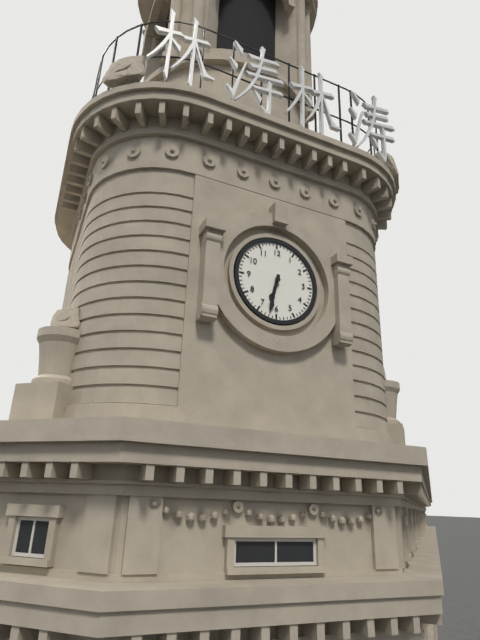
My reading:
{"hour": 6, "minute": 32}
